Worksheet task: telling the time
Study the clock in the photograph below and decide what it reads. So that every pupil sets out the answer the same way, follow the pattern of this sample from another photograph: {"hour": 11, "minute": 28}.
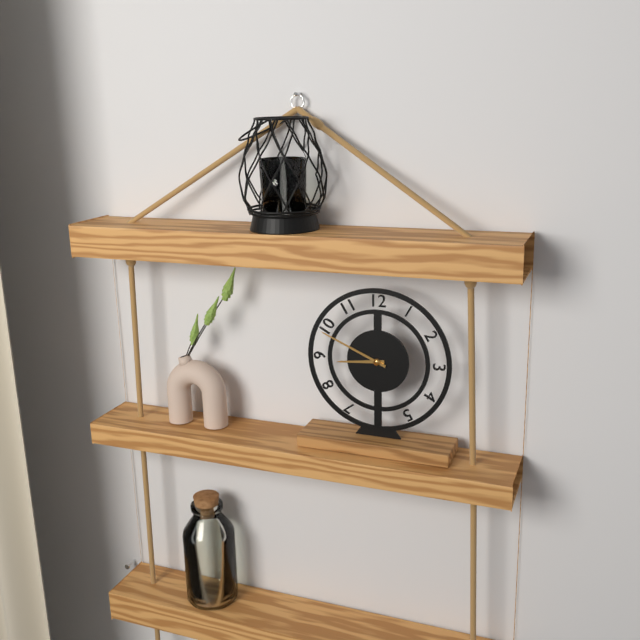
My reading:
{"hour": 8, "minute": 49}
